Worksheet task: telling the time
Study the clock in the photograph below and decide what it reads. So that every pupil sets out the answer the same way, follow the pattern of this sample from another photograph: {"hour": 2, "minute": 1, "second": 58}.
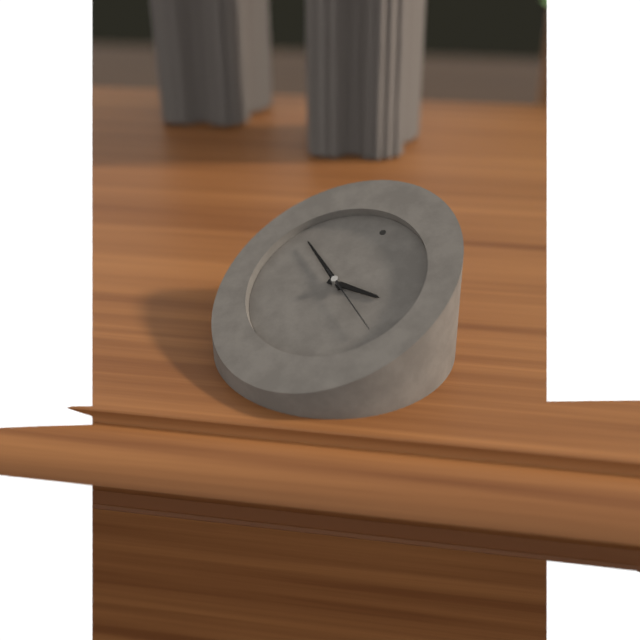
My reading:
{"hour": 2, "minute": 49, "second": 19}
